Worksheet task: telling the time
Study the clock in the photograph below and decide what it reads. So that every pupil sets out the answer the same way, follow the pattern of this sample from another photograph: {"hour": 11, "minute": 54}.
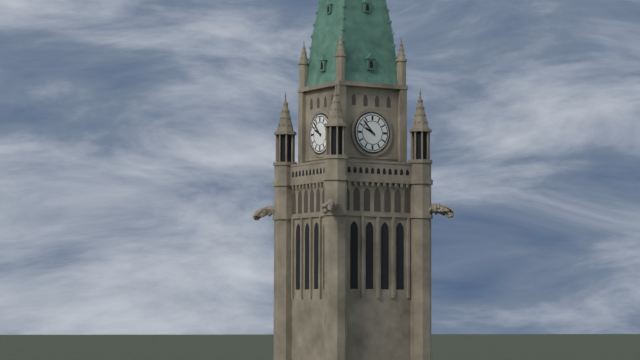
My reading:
{"hour": 9, "minute": 53}
